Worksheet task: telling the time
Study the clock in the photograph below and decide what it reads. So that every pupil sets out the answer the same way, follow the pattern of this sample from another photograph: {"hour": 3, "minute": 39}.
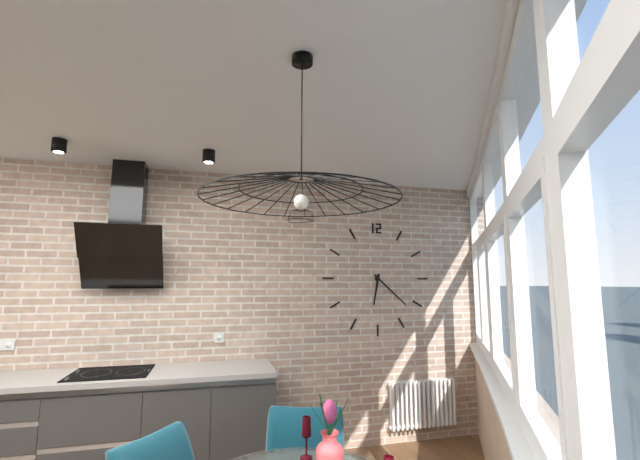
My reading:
{"hour": 6, "minute": 22}
